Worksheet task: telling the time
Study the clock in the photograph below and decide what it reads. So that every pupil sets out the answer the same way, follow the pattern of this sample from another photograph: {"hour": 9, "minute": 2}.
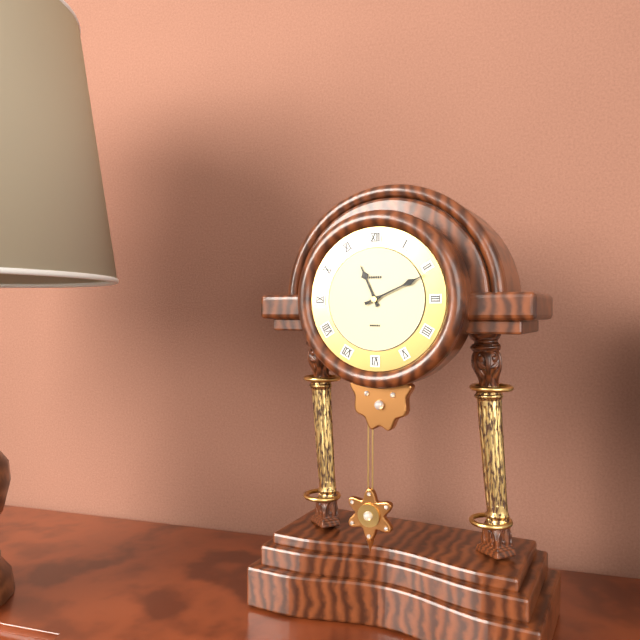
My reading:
{"hour": 11, "minute": 11}
